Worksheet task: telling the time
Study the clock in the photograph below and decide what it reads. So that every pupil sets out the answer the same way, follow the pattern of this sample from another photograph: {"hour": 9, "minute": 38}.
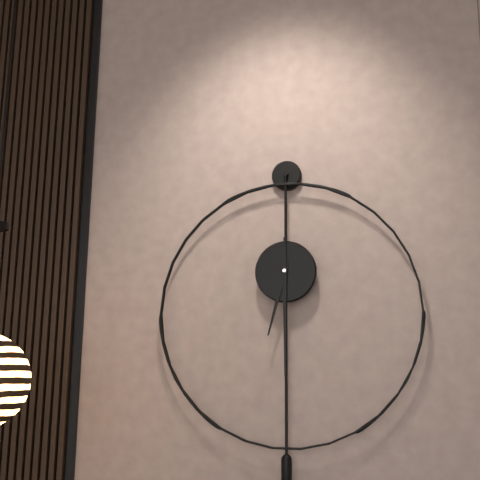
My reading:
{"hour": 6, "minute": 30}
